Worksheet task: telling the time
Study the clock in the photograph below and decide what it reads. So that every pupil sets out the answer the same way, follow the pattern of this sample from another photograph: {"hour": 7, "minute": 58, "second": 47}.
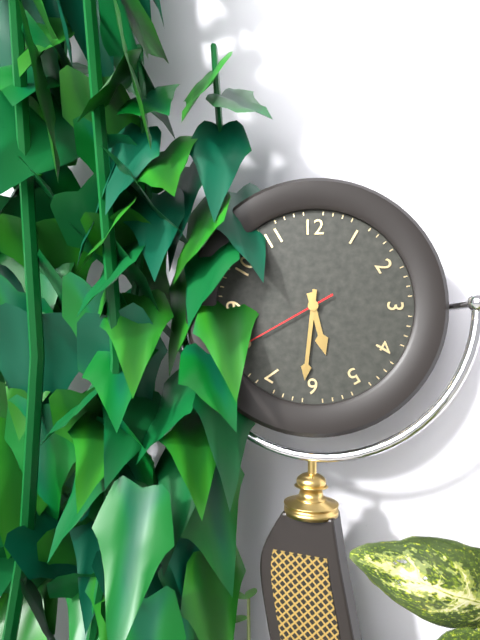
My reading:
{"hour": 5, "minute": 31, "second": 40}
